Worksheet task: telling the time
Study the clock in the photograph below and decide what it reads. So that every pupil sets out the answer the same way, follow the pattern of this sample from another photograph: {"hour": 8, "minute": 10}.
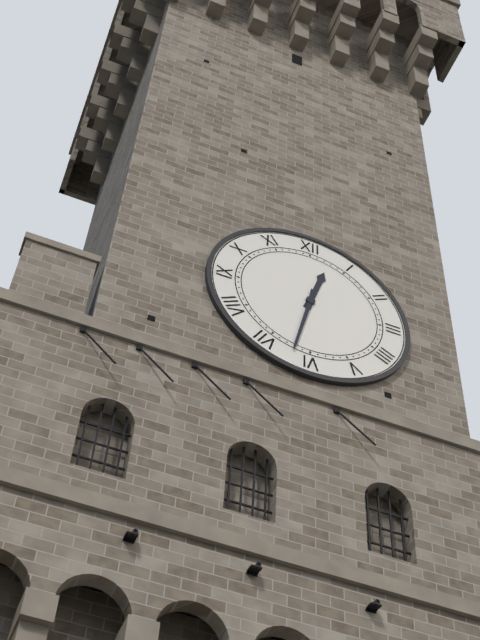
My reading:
{"hour": 12, "minute": 32}
